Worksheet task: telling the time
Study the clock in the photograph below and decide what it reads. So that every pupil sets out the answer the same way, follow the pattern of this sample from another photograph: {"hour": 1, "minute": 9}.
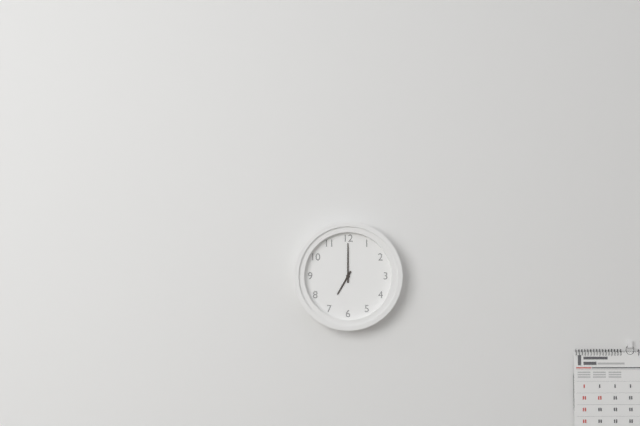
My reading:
{"hour": 7, "minute": 0}
